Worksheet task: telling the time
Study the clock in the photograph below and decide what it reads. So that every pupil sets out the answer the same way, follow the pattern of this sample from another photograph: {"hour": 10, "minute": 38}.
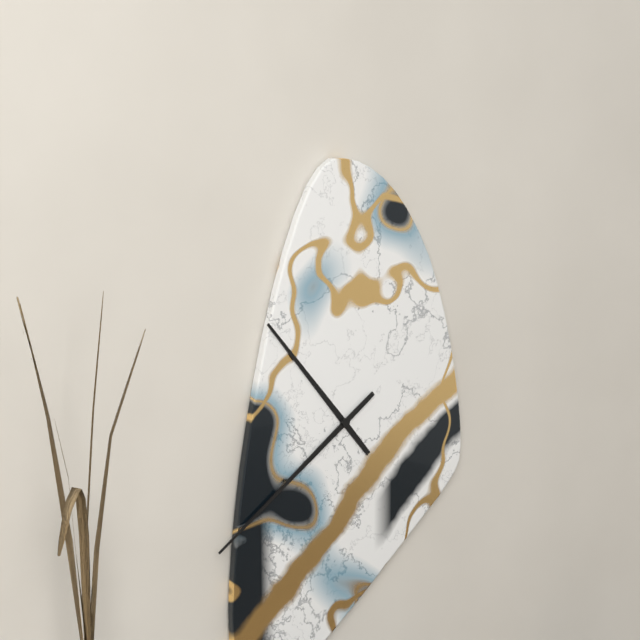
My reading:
{"hour": 10, "minute": 39}
